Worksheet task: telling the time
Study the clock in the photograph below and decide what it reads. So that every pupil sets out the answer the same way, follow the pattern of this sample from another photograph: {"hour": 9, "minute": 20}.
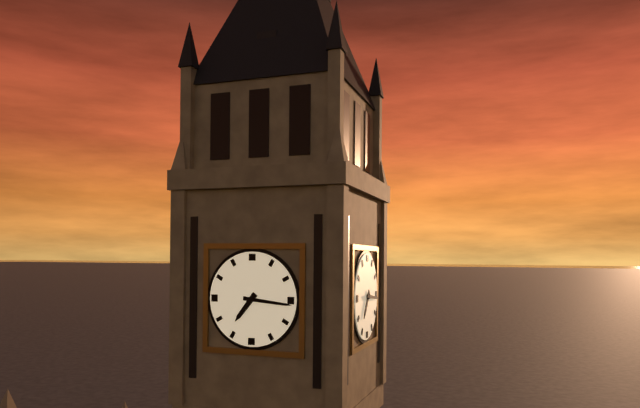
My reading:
{"hour": 7, "minute": 16}
